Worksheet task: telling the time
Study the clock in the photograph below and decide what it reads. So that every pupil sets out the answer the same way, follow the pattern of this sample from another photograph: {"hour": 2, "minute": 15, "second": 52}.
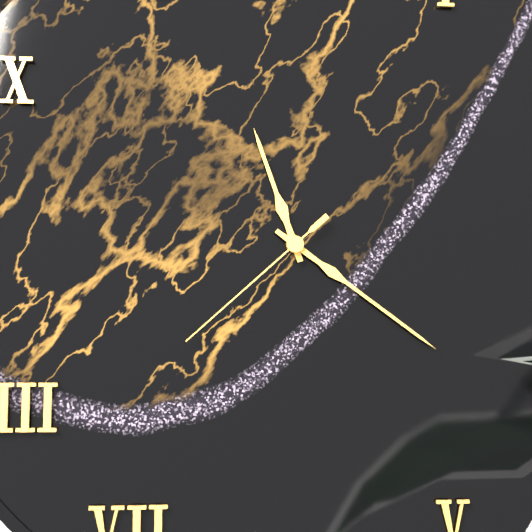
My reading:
{"hour": 11, "minute": 21, "second": 38}
